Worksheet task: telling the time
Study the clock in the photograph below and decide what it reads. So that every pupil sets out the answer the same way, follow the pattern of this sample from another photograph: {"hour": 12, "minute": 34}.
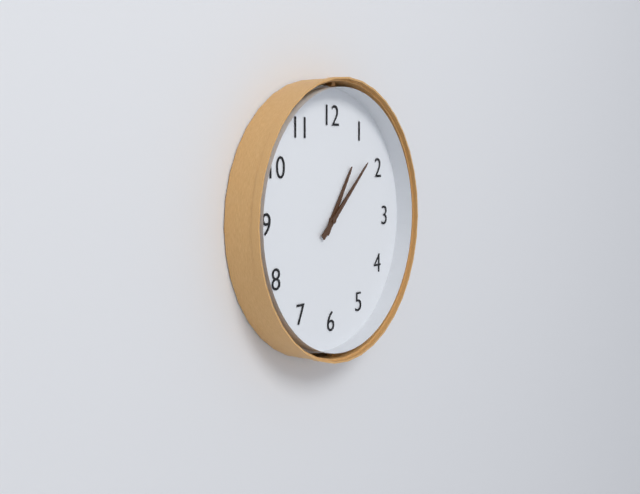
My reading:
{"hour": 1, "minute": 8}
